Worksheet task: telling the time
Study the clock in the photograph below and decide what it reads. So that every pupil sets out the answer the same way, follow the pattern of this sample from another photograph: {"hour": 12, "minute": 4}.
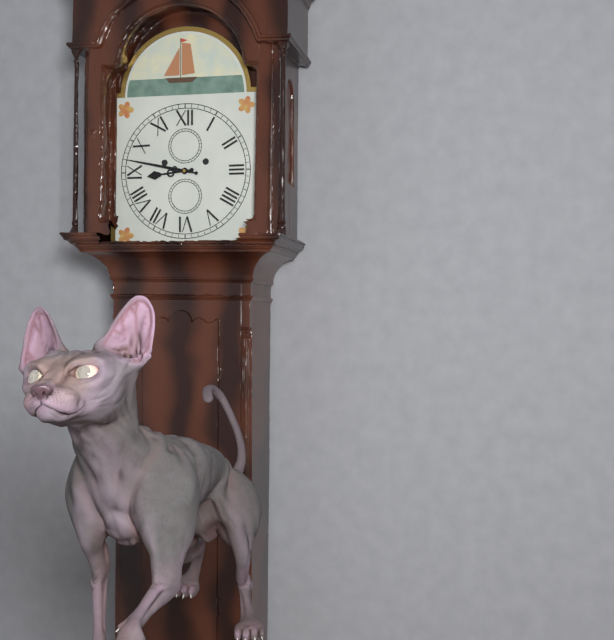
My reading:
{"hour": 8, "minute": 47}
